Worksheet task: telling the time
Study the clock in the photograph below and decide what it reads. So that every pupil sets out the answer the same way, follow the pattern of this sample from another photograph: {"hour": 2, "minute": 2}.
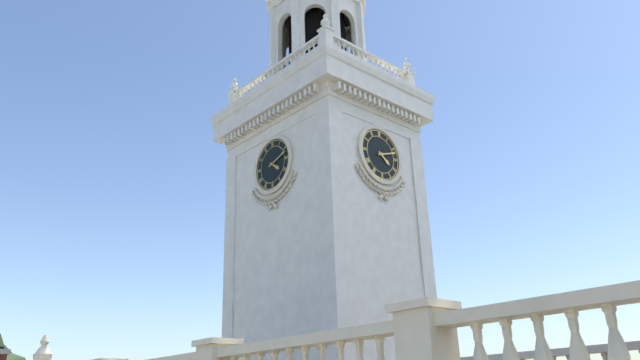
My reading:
{"hour": 4, "minute": 12}
